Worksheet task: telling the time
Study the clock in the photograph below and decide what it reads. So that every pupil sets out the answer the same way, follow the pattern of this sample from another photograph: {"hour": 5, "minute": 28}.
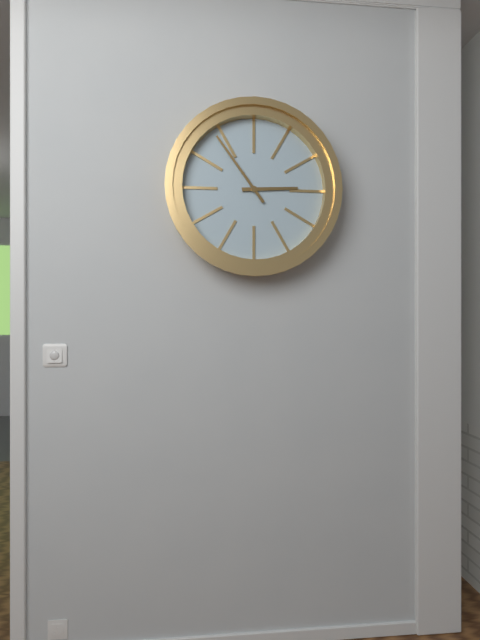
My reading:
{"hour": 2, "minute": 54}
